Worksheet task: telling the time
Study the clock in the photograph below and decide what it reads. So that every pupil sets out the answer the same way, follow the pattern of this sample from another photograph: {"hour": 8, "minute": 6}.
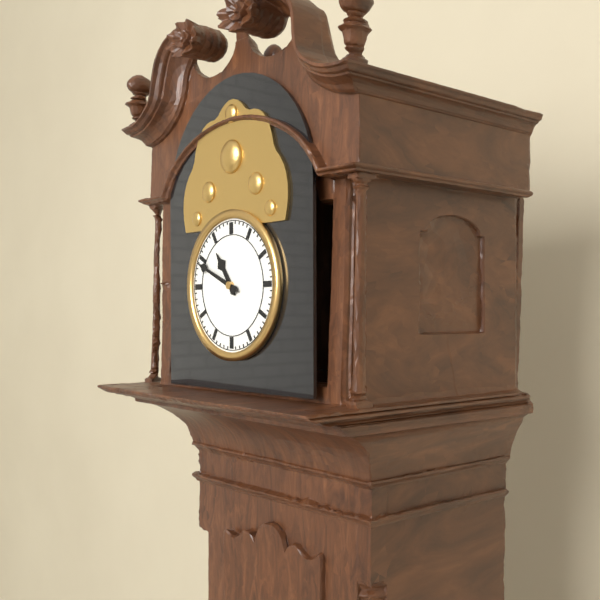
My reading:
{"hour": 10, "minute": 49}
